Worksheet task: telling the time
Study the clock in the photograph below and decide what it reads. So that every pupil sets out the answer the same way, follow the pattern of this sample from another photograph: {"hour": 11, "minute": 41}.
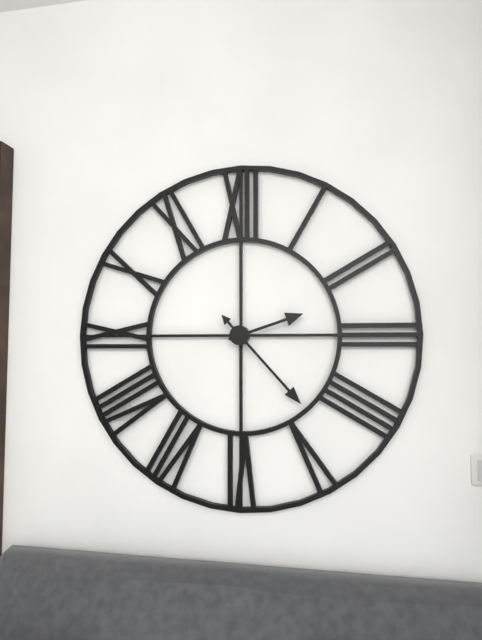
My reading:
{"hour": 2, "minute": 23}
